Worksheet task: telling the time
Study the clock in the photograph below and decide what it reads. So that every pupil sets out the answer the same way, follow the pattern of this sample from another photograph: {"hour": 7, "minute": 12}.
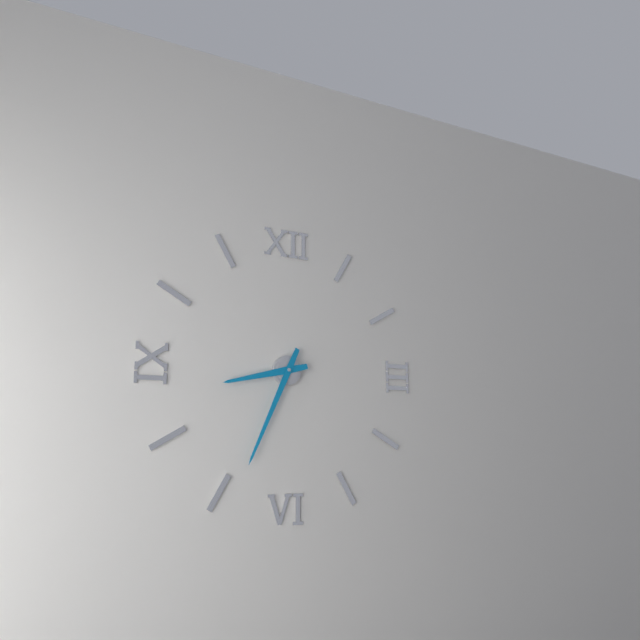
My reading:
{"hour": 8, "minute": 34}
